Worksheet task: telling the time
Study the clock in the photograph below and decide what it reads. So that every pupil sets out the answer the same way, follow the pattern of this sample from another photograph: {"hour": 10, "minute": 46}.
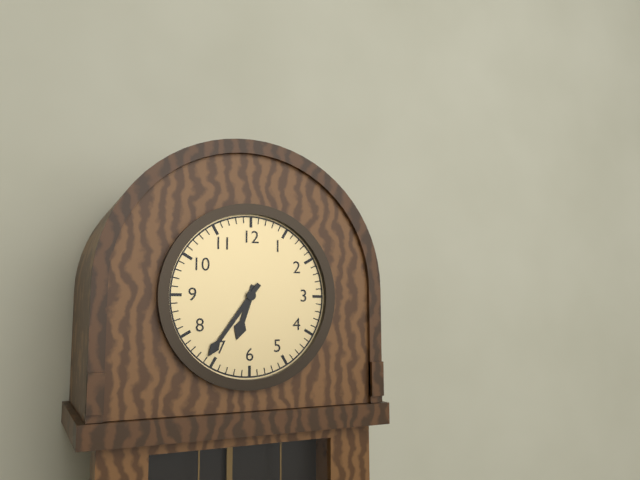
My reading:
{"hour": 6, "minute": 36}
